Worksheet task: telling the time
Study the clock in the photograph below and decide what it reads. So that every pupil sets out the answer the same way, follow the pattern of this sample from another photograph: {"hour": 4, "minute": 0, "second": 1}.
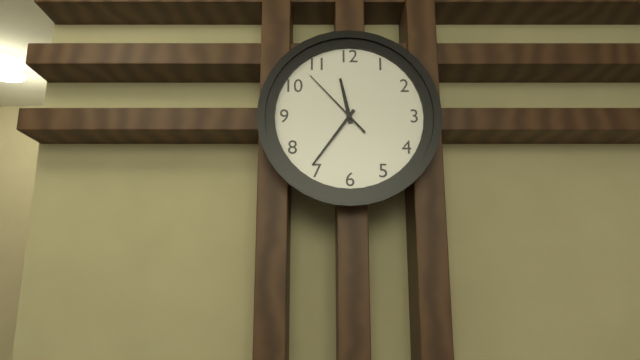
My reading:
{"hour": 11, "minute": 36, "second": 53}
